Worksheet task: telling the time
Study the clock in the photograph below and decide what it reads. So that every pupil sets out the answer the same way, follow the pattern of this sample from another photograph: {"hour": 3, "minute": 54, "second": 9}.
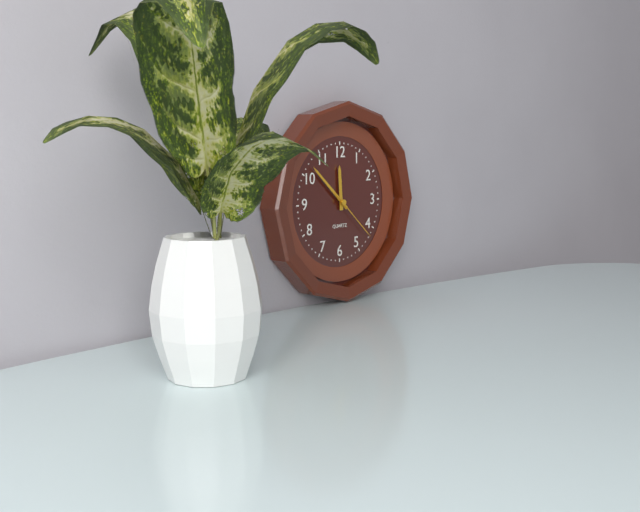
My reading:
{"hour": 11, "minute": 52, "second": 22}
